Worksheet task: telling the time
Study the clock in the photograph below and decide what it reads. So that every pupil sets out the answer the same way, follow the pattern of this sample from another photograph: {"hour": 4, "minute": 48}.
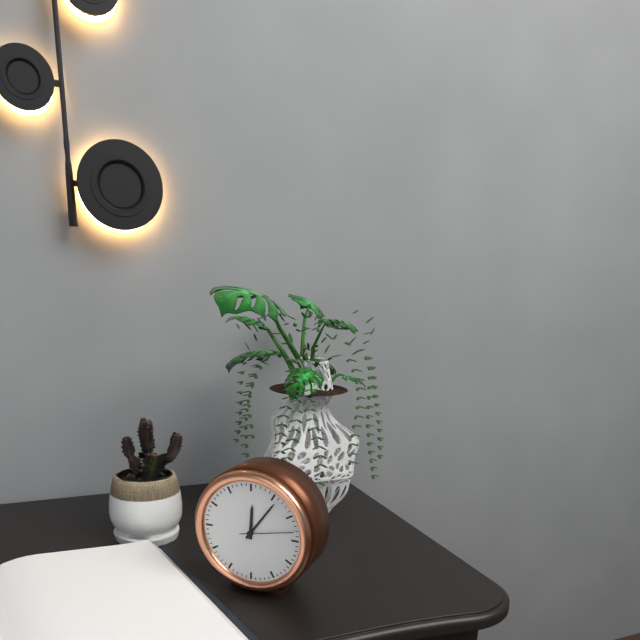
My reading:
{"hour": 12, "minute": 6}
